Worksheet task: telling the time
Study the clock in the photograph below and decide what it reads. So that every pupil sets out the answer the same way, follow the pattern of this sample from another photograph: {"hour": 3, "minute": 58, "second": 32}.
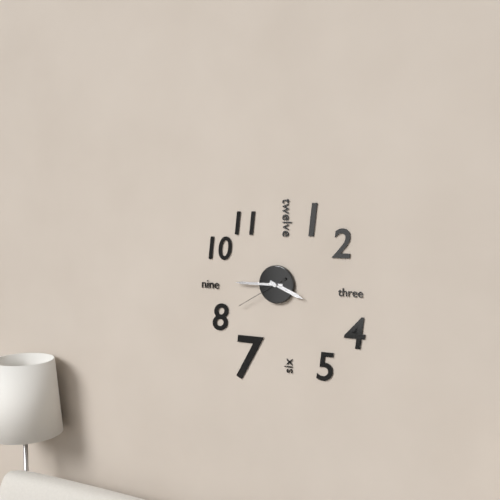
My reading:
{"hour": 3, "minute": 45, "second": 40}
